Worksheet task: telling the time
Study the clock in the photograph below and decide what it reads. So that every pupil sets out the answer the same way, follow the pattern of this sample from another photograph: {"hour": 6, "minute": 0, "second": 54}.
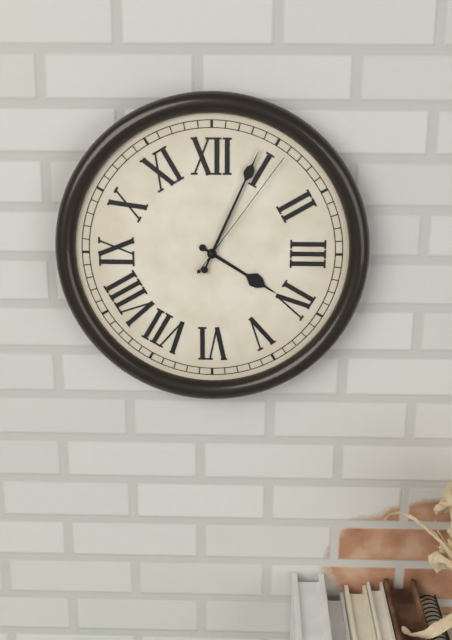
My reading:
{"hour": 4, "minute": 4, "second": 6}
